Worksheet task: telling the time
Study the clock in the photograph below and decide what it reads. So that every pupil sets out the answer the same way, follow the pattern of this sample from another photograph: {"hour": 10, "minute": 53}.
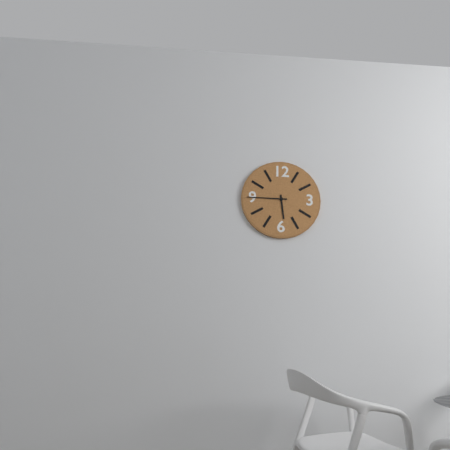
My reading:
{"hour": 5, "minute": 45}
